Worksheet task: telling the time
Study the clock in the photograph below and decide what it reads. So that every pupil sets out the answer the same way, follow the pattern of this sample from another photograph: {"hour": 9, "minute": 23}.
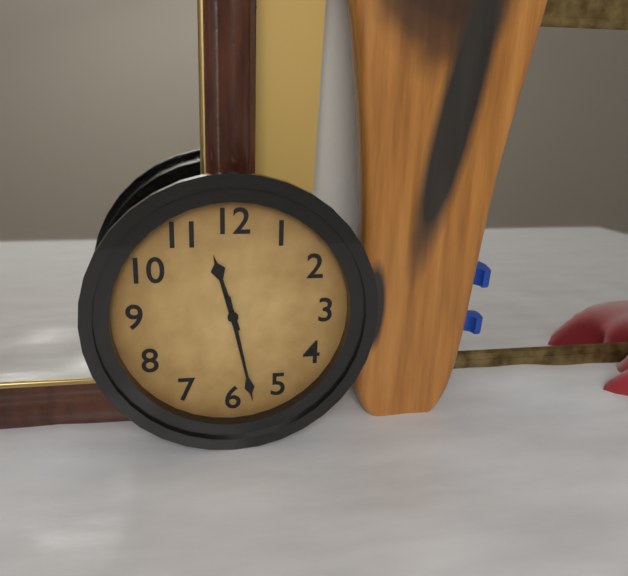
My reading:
{"hour": 11, "minute": 28}
